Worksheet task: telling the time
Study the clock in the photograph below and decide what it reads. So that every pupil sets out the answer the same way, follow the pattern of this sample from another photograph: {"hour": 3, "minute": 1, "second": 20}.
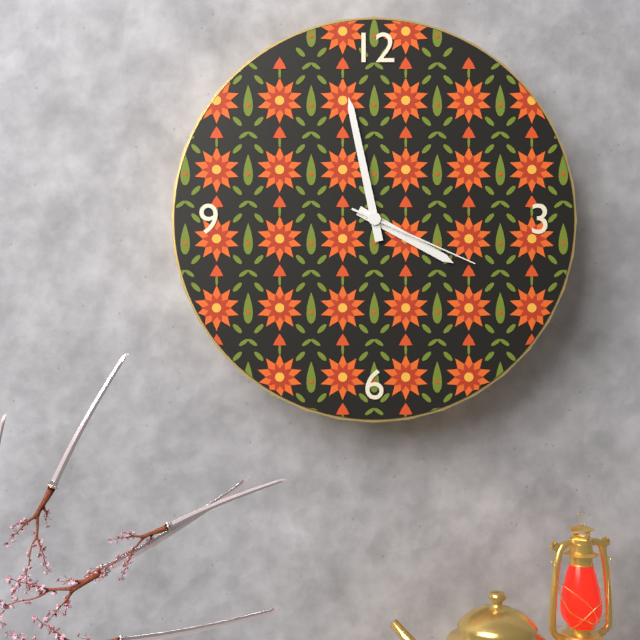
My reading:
{"hour": 3, "minute": 58, "second": 19}
